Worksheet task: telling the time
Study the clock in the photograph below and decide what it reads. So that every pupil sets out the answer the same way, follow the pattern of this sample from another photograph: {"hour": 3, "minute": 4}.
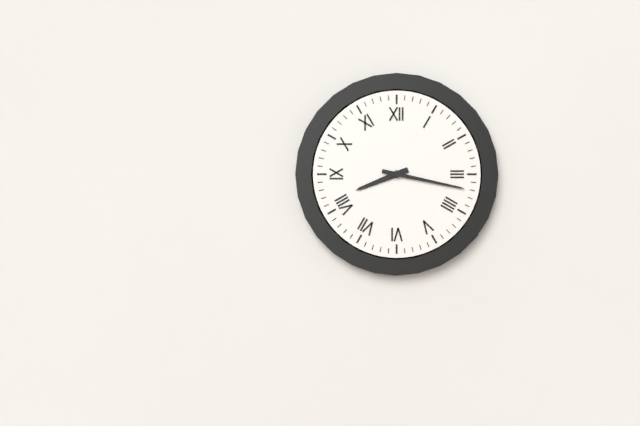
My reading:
{"hour": 8, "minute": 17}
